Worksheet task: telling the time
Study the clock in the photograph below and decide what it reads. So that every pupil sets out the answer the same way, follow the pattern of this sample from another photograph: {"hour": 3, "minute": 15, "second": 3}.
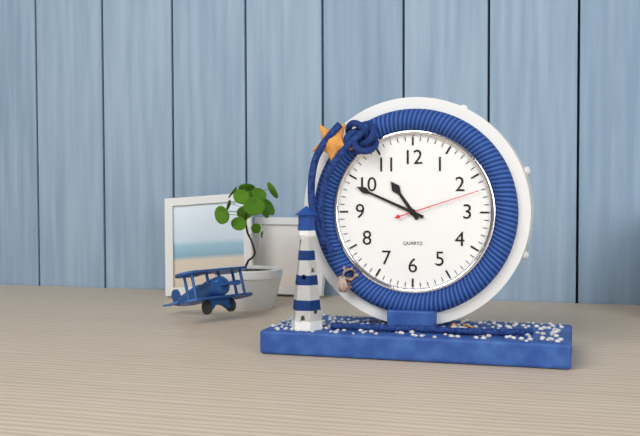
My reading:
{"hour": 10, "minute": 49, "second": 12}
